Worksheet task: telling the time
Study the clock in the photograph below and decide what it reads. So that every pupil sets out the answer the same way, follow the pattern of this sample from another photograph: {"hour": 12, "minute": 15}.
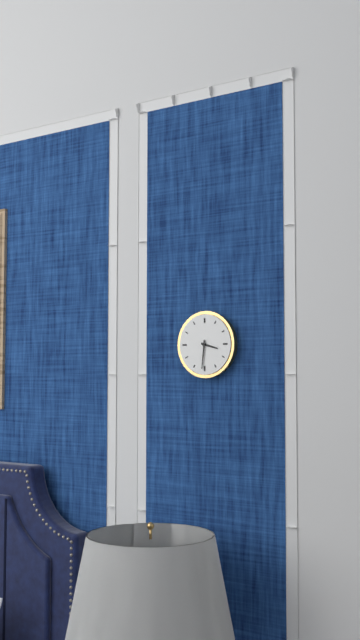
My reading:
{"hour": 3, "minute": 31}
